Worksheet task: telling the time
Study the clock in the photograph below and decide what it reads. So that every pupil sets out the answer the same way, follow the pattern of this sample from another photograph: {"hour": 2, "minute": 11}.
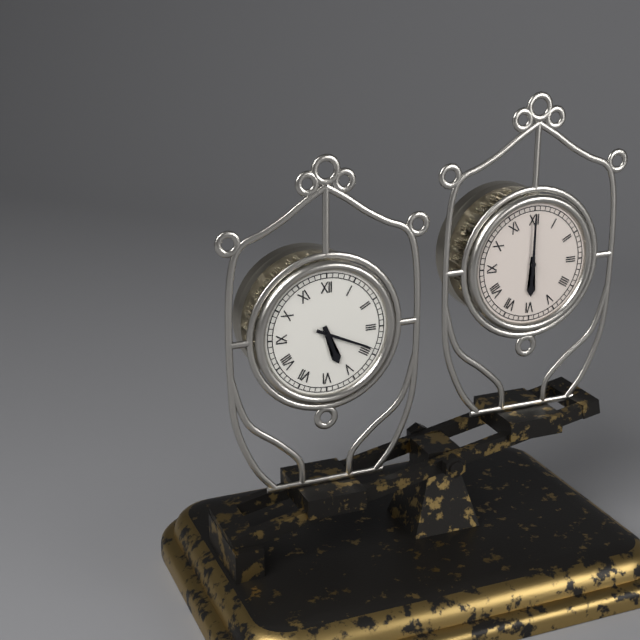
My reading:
{"hour": 5, "minute": 19}
